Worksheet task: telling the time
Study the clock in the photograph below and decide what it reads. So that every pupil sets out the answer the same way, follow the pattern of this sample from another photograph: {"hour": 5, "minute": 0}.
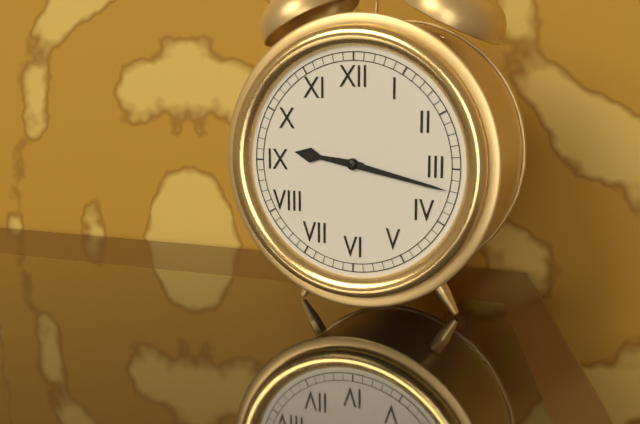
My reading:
{"hour": 9, "minute": 17}
